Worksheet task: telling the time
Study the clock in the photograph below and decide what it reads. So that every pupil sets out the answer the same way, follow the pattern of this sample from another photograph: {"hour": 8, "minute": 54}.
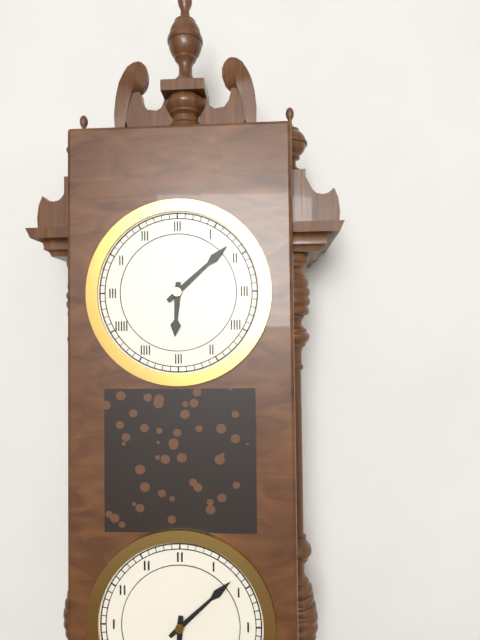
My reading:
{"hour": 6, "minute": 8}
